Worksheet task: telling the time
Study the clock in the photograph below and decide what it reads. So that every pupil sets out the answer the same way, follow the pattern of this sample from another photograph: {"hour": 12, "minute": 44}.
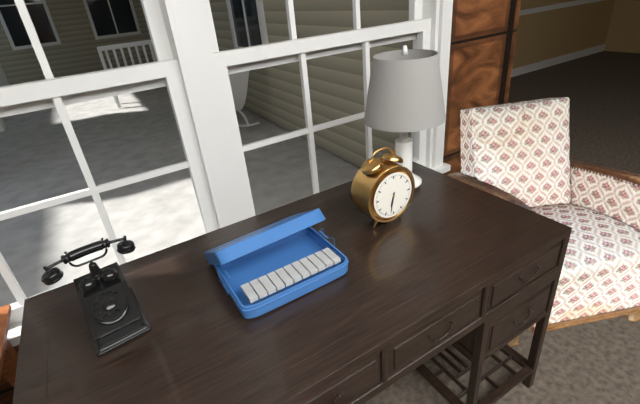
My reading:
{"hour": 6, "minute": 32}
